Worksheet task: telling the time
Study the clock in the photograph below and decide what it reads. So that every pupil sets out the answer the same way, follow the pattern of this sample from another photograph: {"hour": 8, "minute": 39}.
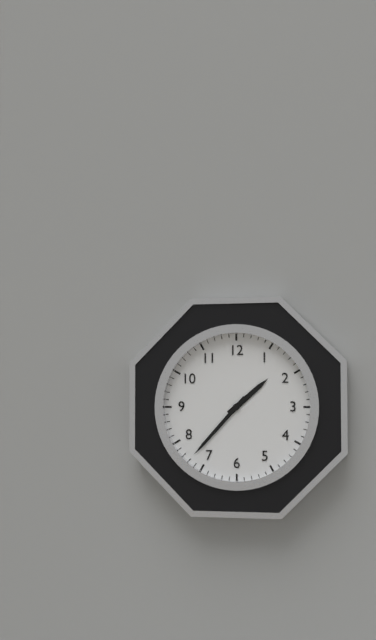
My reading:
{"hour": 1, "minute": 37}
